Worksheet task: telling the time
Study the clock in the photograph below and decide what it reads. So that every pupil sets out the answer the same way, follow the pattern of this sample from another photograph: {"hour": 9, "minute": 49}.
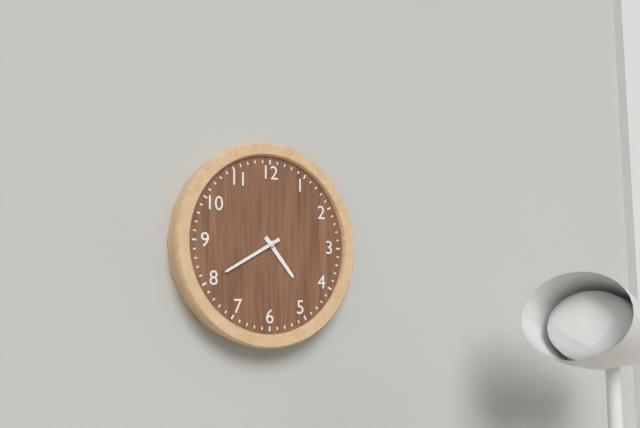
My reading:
{"hour": 4, "minute": 40}
